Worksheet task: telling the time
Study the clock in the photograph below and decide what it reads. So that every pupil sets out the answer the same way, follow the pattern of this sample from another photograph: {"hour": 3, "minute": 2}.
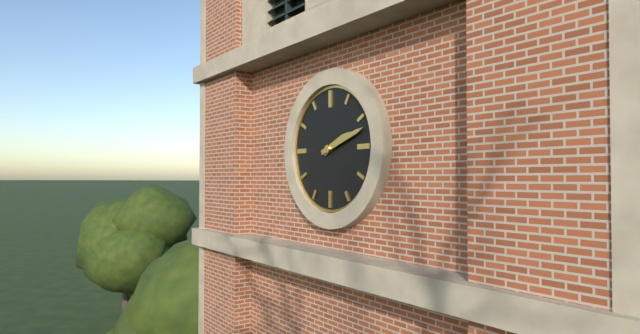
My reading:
{"hour": 2, "minute": 12}
